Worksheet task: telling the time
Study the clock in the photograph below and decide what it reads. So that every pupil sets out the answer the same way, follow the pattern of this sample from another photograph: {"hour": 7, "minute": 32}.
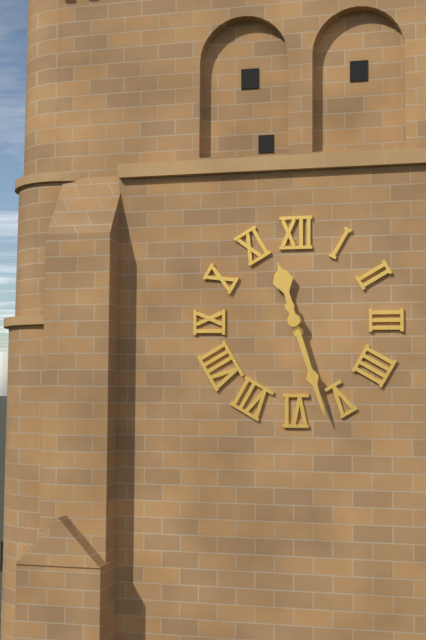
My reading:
{"hour": 11, "minute": 27}
